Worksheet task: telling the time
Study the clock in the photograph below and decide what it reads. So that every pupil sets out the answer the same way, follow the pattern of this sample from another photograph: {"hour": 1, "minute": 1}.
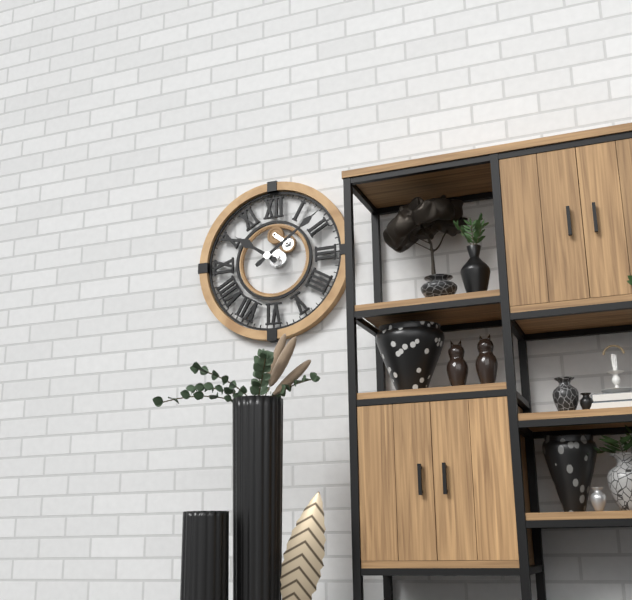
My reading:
{"hour": 10, "minute": 9}
